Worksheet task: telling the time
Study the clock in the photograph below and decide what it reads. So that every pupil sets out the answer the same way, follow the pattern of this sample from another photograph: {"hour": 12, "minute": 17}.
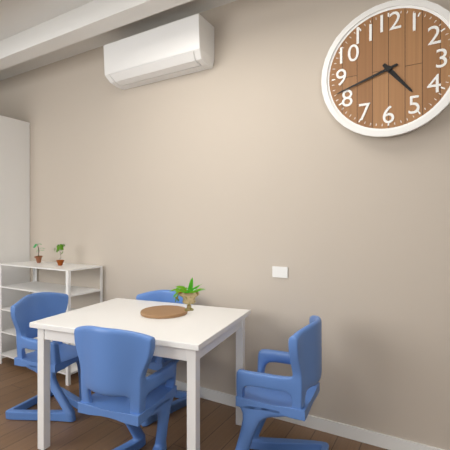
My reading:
{"hour": 4, "minute": 42}
